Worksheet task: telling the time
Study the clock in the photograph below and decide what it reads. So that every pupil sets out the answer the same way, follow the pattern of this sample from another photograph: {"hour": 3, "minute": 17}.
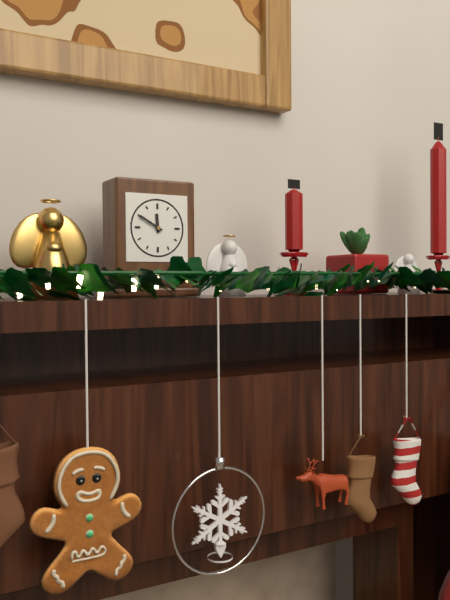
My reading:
{"hour": 11, "minute": 50}
